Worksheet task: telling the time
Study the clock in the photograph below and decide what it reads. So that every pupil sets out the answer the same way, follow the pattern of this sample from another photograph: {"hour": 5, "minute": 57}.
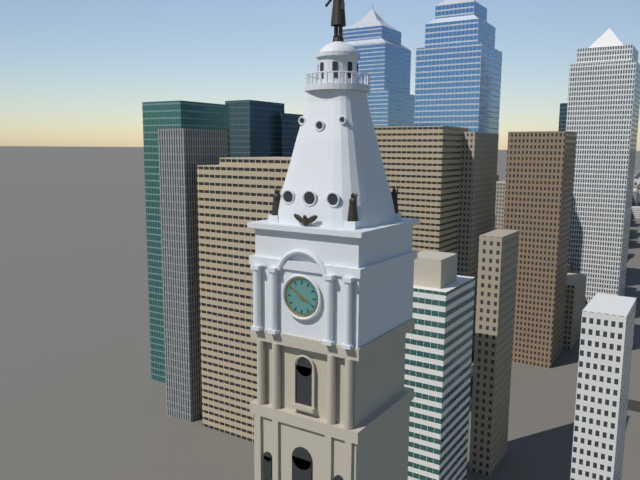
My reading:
{"hour": 3, "minute": 51}
